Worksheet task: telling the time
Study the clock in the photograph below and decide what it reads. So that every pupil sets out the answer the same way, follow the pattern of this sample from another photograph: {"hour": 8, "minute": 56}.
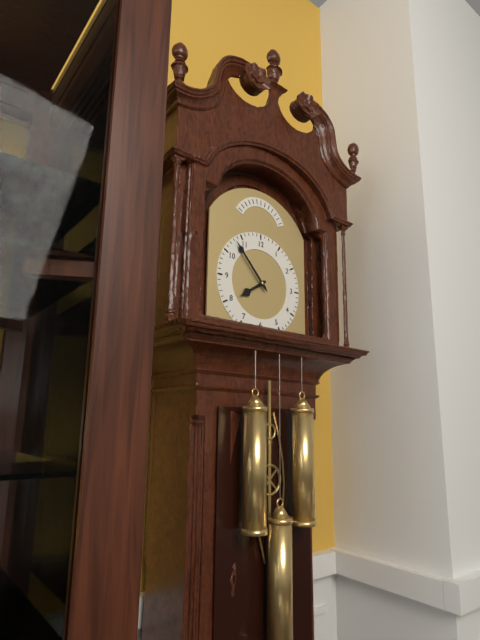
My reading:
{"hour": 7, "minute": 53}
